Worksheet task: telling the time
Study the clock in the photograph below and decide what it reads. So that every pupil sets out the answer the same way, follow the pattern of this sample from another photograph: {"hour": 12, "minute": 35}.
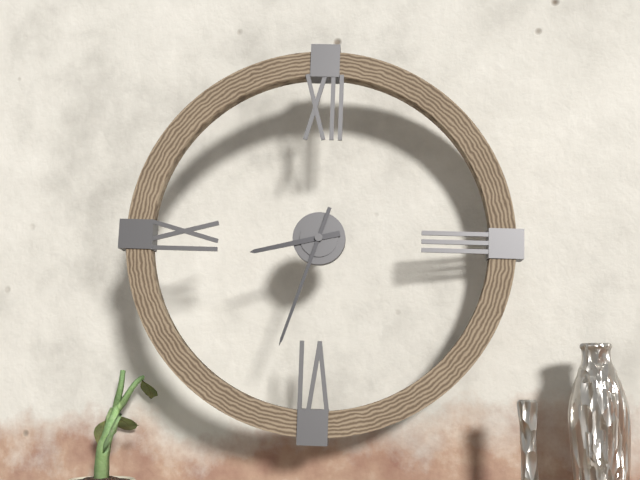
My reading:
{"hour": 8, "minute": 33}
